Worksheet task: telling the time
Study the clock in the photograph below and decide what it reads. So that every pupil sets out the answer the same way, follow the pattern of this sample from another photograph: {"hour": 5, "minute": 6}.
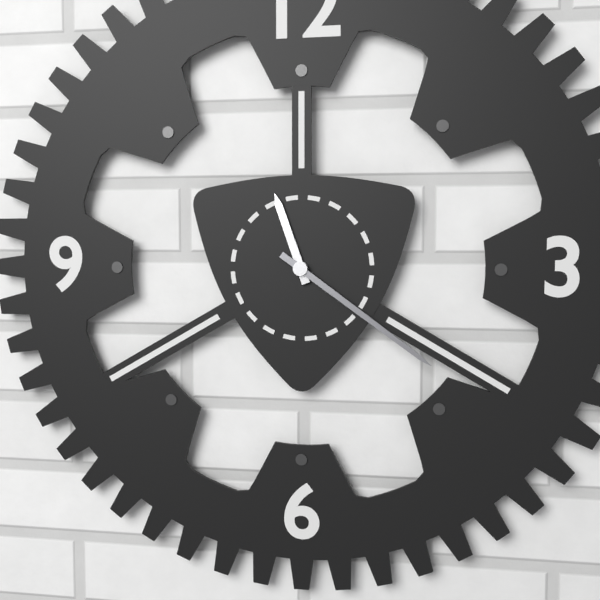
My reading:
{"hour": 11, "minute": 21}
